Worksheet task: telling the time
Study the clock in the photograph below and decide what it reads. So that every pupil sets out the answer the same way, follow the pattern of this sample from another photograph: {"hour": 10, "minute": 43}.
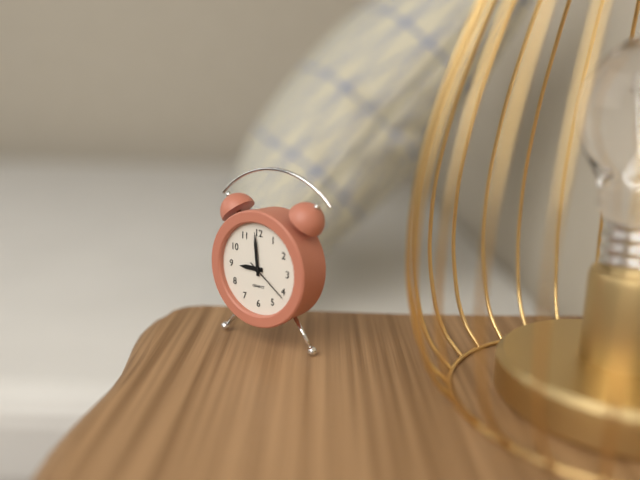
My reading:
{"hour": 8, "minute": 59}
